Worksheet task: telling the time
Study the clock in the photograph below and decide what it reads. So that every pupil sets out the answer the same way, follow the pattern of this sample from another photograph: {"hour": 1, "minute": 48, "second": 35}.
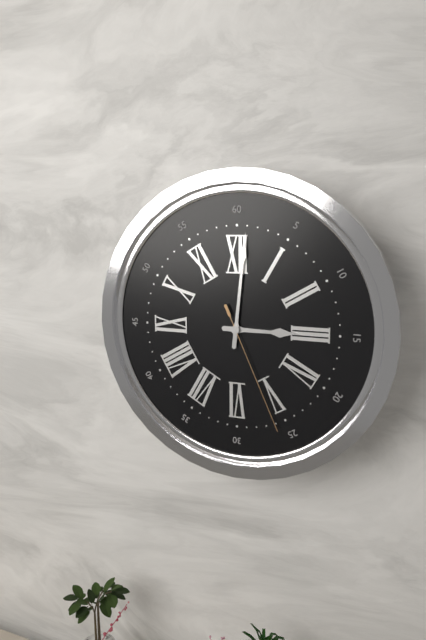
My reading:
{"hour": 3, "minute": 1, "second": 26}
